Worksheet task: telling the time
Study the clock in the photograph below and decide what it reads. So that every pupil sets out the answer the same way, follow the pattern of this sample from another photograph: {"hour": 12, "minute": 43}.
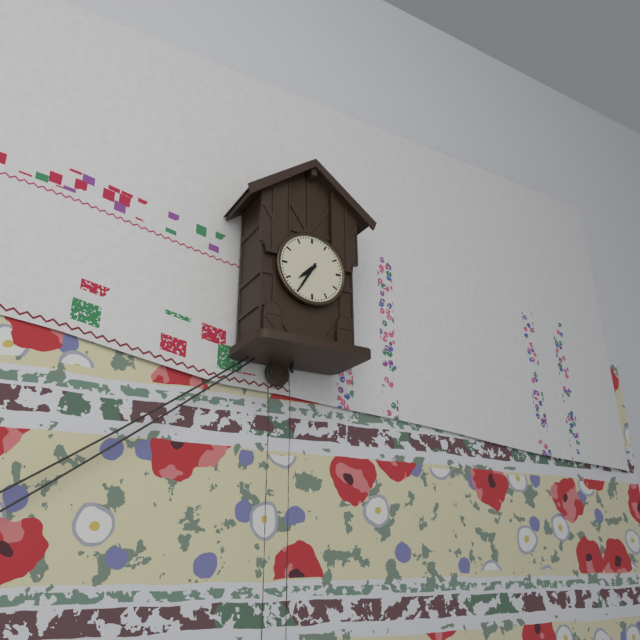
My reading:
{"hour": 7, "minute": 35}
